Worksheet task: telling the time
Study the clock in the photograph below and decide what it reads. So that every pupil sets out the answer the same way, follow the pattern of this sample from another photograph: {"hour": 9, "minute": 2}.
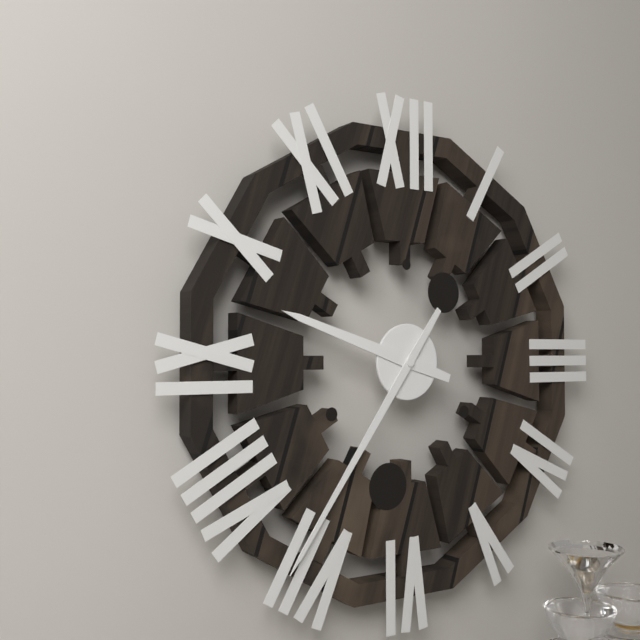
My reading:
{"hour": 9, "minute": 36}
